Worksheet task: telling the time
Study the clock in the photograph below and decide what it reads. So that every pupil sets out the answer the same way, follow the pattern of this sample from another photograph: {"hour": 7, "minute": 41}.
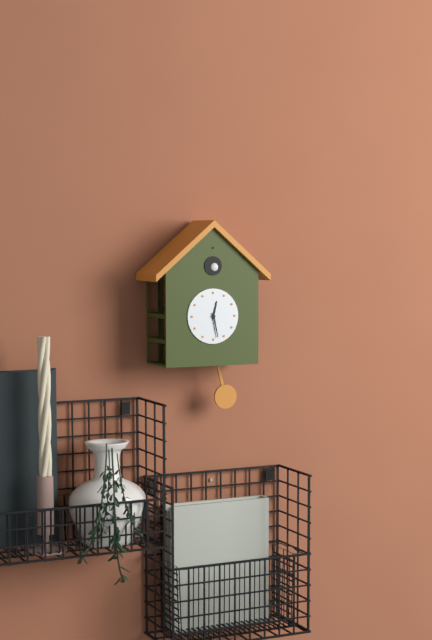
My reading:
{"hour": 12, "minute": 28}
